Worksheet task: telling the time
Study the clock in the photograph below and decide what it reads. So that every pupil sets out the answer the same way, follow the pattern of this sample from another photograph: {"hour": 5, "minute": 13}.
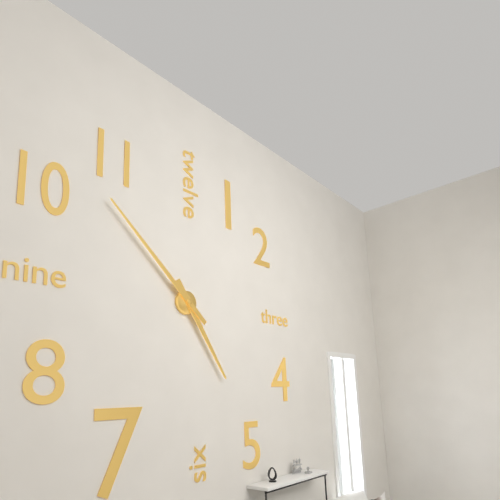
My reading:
{"hour": 4, "minute": 52}
